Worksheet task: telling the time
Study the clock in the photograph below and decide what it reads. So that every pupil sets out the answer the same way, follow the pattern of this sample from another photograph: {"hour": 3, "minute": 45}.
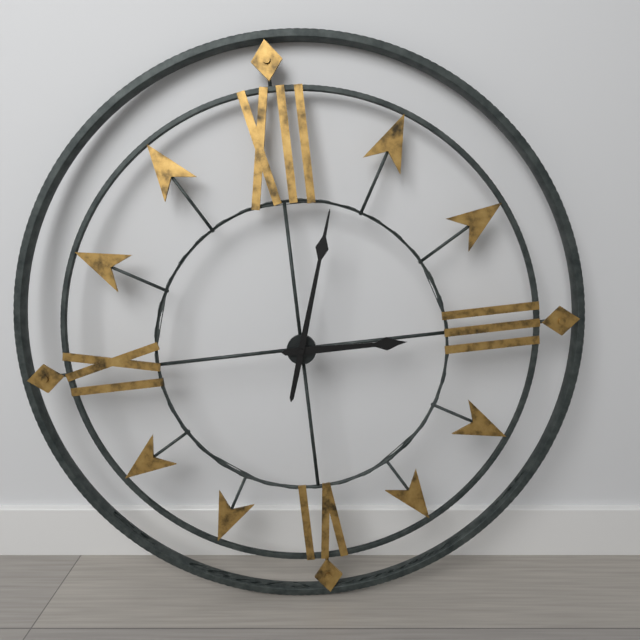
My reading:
{"hour": 3, "minute": 3}
